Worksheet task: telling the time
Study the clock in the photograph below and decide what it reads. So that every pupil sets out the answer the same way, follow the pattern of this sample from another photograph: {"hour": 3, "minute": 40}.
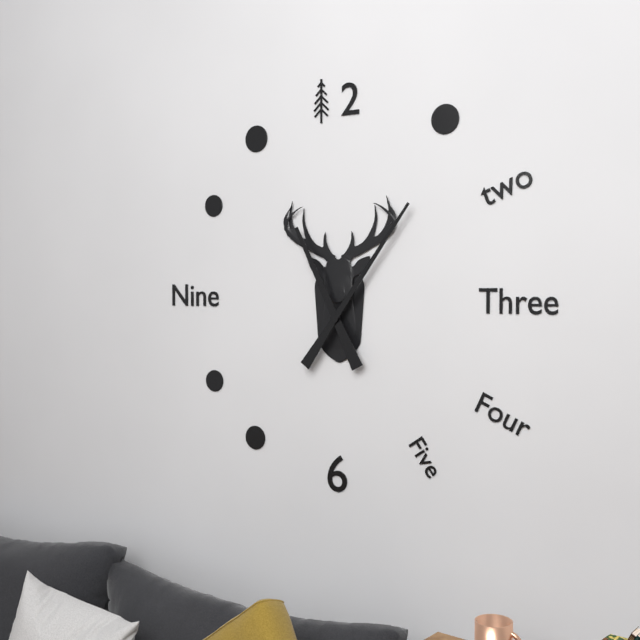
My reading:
{"hour": 11, "minute": 6}
